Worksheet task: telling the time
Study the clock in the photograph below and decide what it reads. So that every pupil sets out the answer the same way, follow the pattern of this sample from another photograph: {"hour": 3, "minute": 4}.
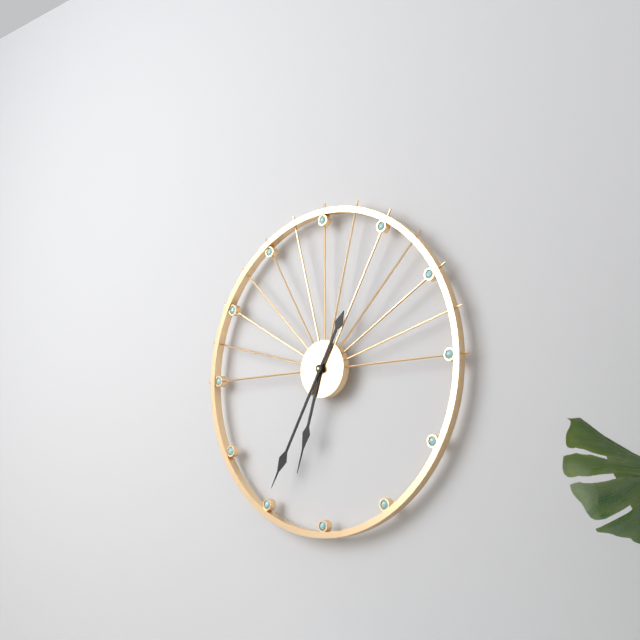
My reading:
{"hour": 6, "minute": 35}
